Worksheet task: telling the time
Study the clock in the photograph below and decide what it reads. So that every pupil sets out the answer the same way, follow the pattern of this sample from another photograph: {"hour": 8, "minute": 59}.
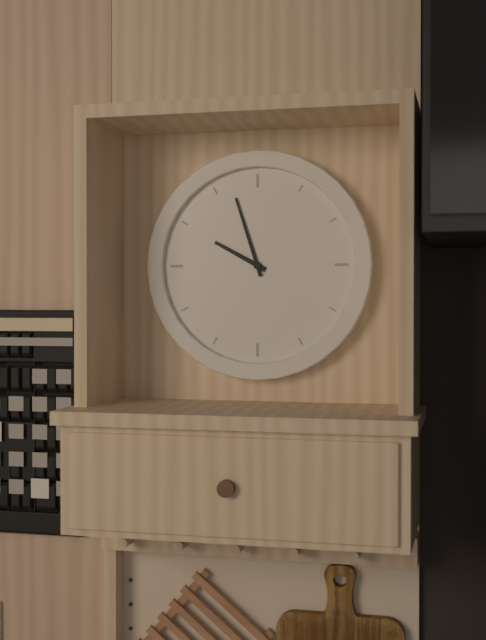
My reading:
{"hour": 9, "minute": 57}
